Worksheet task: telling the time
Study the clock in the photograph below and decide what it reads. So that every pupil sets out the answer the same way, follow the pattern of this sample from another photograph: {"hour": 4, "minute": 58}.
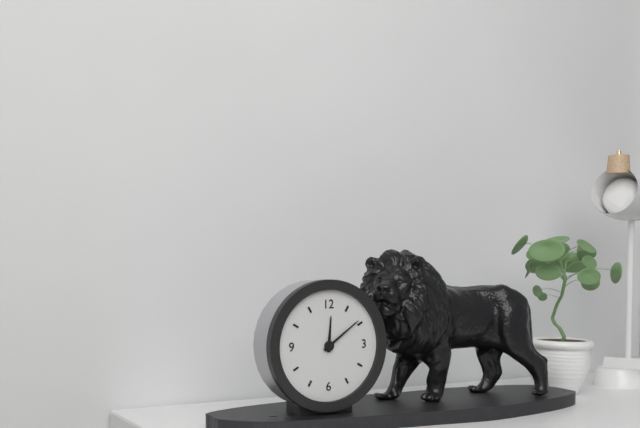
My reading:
{"hour": 12, "minute": 9}
